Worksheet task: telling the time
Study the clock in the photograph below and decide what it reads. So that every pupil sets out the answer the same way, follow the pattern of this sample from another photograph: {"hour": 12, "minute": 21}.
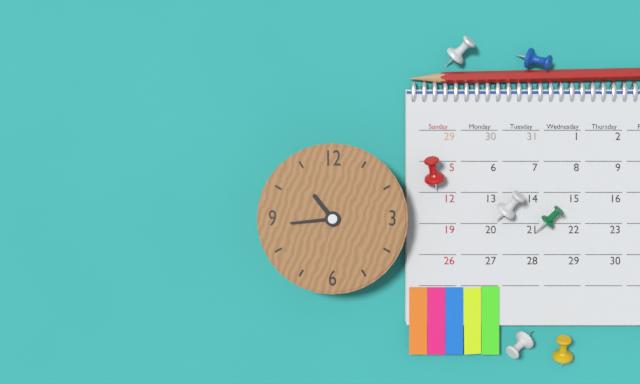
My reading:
{"hour": 10, "minute": 44}
